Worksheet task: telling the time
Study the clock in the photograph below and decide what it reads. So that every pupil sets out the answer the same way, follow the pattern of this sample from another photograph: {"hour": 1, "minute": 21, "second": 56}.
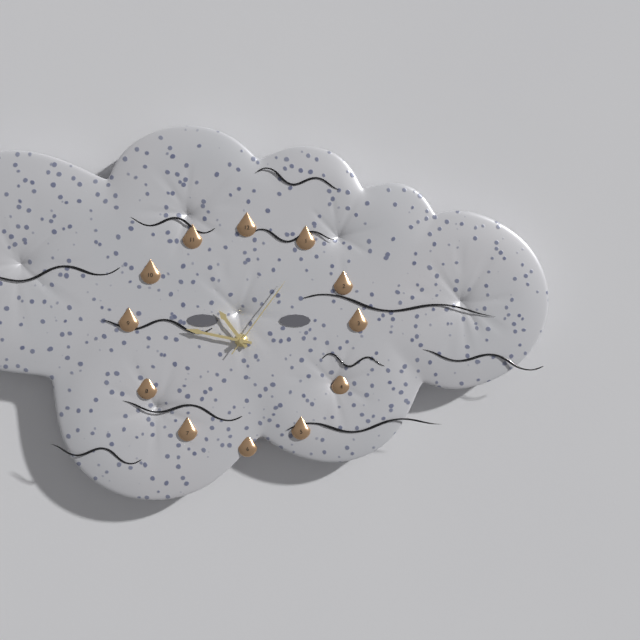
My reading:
{"hour": 10, "minute": 47, "second": 6}
